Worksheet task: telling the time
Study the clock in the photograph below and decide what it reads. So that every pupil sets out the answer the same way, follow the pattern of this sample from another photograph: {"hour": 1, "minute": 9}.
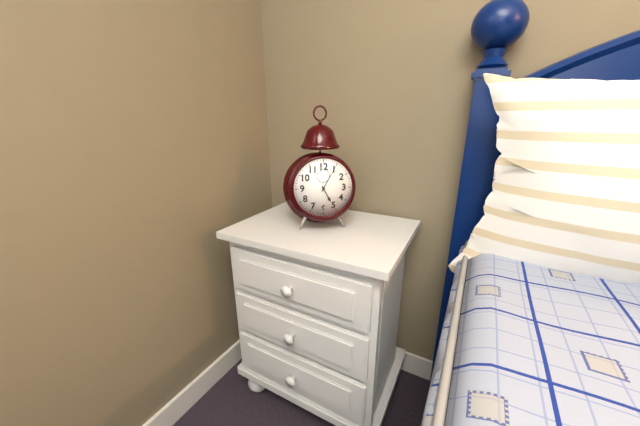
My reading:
{"hour": 5, "minute": 5}
